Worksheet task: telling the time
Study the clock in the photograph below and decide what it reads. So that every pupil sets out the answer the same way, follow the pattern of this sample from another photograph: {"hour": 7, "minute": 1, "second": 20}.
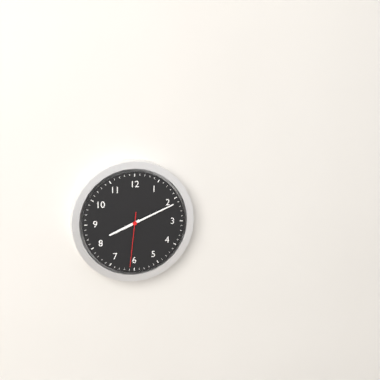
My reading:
{"hour": 8, "minute": 11, "second": 31}
